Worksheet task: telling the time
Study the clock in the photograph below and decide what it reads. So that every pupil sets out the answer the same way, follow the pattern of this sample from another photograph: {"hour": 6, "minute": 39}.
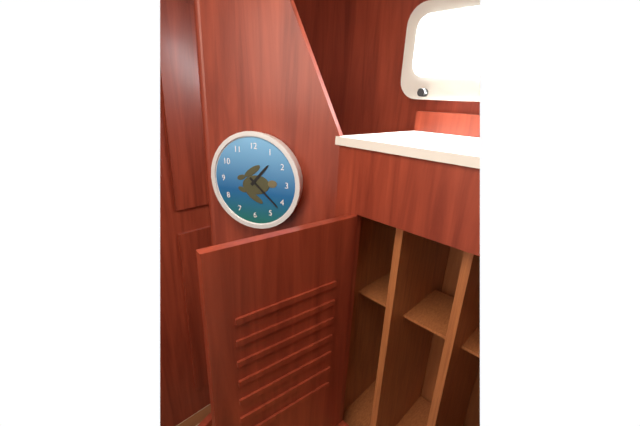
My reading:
{"hour": 1, "minute": 22}
